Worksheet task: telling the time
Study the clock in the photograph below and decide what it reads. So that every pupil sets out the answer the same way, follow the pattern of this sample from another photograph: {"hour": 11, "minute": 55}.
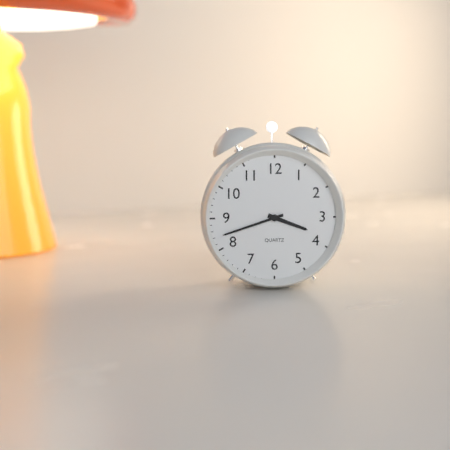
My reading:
{"hour": 3, "minute": 42}
